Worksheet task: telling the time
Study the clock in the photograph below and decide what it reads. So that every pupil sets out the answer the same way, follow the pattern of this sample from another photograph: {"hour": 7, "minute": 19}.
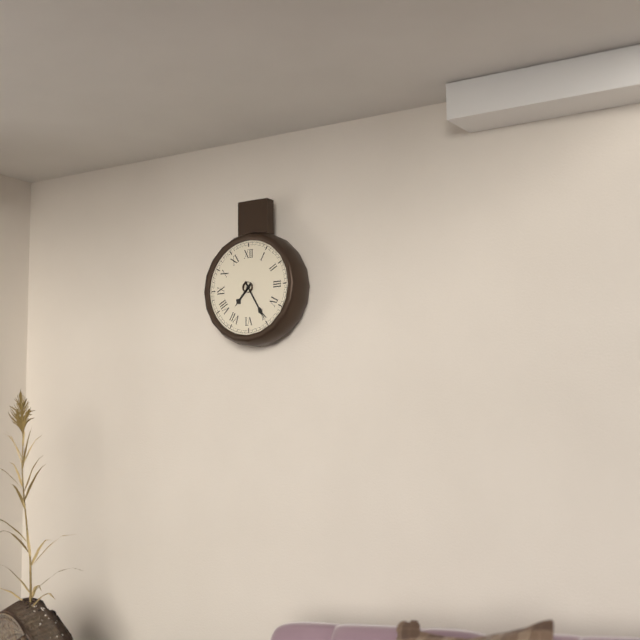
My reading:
{"hour": 7, "minute": 25}
